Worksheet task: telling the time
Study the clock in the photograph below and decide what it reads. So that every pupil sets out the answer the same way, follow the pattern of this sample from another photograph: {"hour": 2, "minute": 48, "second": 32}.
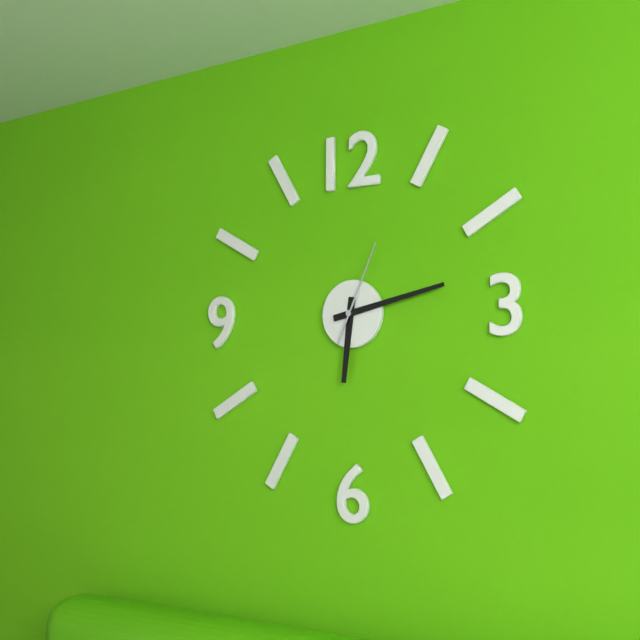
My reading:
{"hour": 6, "minute": 13, "second": 4}
